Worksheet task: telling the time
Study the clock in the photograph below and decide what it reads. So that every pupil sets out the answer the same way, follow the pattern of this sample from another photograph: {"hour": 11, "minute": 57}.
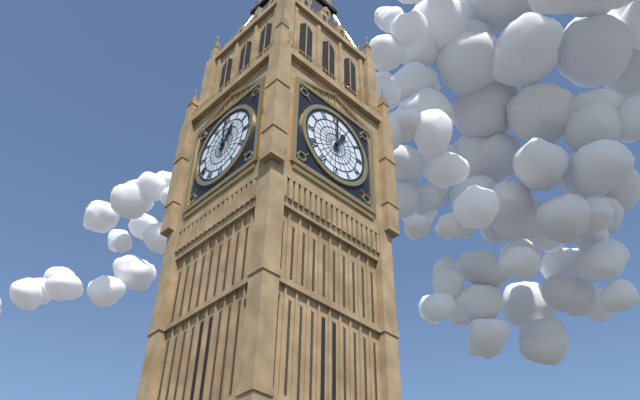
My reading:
{"hour": 1, "minute": 0}
